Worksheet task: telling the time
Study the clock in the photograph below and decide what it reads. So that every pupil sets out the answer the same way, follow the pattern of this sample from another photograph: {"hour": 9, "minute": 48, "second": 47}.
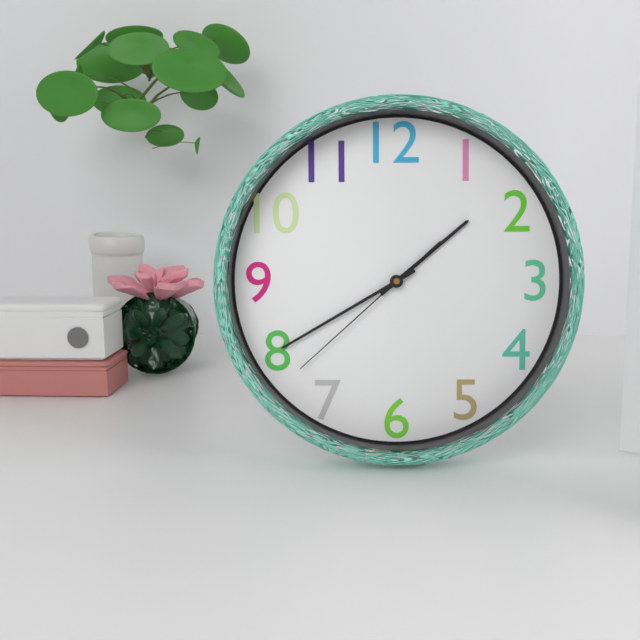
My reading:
{"hour": 1, "minute": 40, "second": 38}
